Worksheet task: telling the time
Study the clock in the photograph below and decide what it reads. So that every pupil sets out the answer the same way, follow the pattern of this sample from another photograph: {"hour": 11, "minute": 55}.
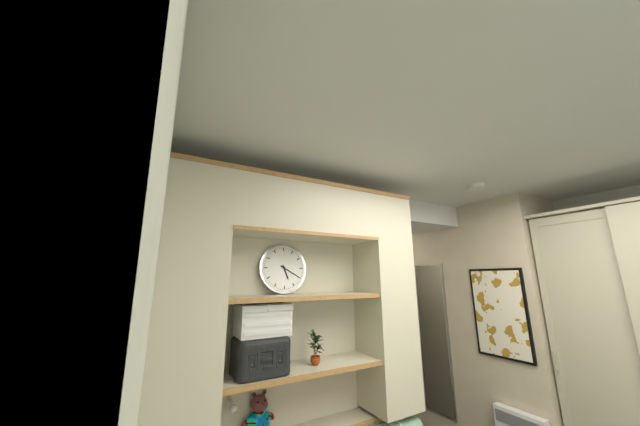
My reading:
{"hour": 5, "minute": 20}
